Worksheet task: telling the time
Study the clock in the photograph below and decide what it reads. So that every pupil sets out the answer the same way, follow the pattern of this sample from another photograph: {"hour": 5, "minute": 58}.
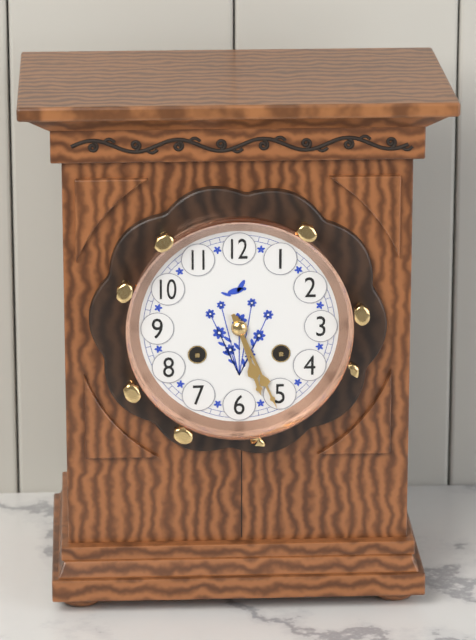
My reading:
{"hour": 5, "minute": 26}
